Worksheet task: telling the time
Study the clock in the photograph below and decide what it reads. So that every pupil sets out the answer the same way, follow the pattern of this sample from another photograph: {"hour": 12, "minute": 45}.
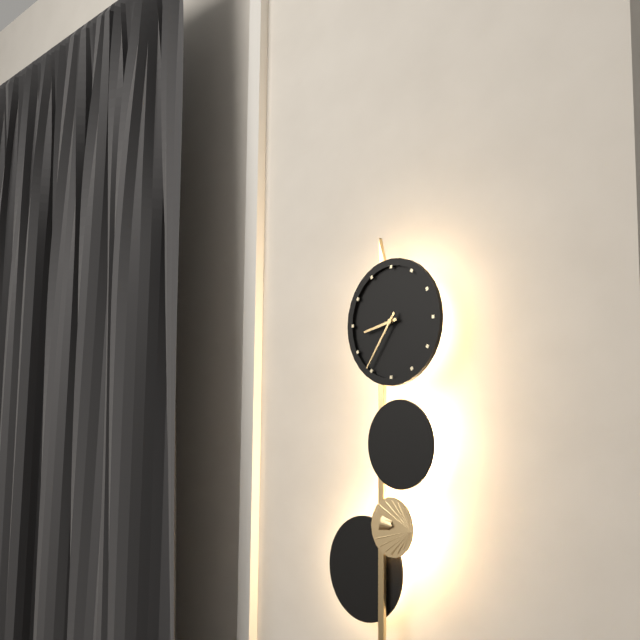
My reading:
{"hour": 8, "minute": 36}
